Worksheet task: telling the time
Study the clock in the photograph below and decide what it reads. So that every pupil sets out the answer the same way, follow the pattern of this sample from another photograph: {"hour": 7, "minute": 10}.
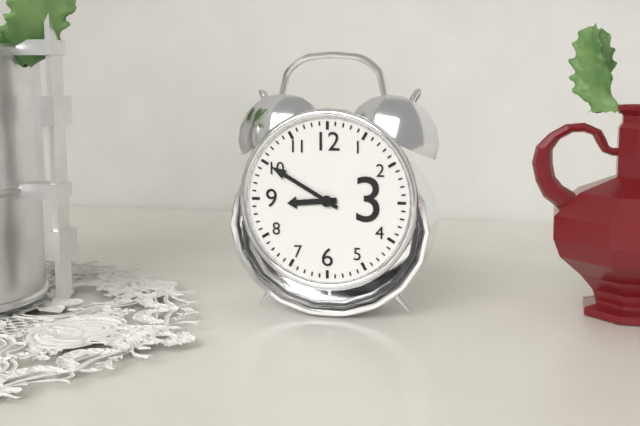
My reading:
{"hour": 8, "minute": 50}
